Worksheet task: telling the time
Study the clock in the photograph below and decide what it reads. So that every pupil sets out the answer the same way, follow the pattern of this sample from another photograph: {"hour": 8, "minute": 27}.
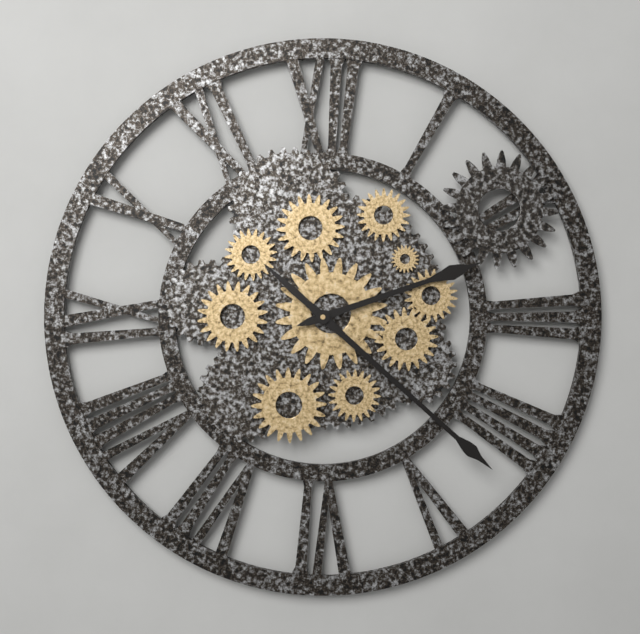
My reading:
{"hour": 2, "minute": 22}
